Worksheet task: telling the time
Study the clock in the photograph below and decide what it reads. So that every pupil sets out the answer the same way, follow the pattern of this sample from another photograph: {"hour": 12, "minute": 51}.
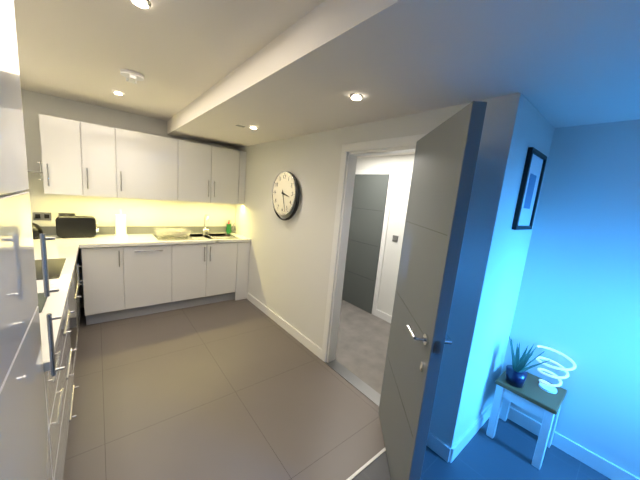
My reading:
{"hour": 3, "minute": 27}
